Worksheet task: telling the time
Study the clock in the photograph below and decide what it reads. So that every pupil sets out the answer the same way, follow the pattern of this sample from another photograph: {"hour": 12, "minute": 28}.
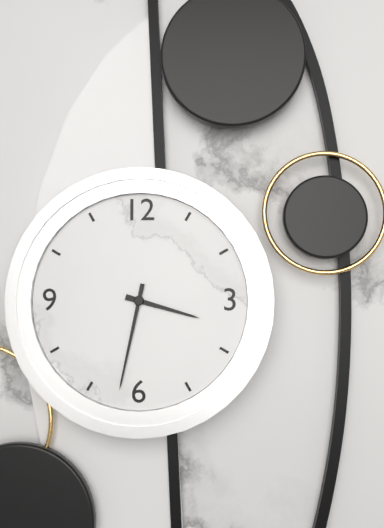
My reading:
{"hour": 3, "minute": 32}
